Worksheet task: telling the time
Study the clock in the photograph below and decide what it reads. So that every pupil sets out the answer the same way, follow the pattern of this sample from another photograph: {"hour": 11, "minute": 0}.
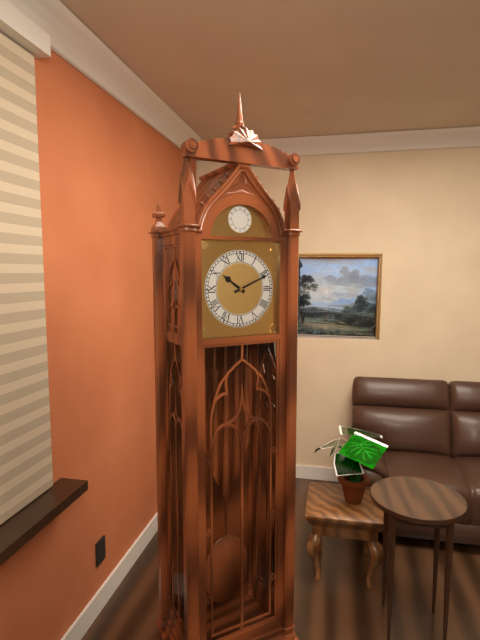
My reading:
{"hour": 10, "minute": 11}
